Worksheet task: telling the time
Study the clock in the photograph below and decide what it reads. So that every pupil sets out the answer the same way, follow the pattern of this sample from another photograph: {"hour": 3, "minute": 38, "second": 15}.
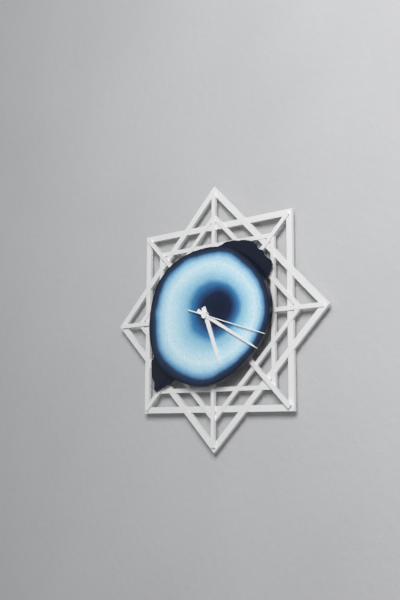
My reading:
{"hour": 5, "minute": 20, "second": 18}
